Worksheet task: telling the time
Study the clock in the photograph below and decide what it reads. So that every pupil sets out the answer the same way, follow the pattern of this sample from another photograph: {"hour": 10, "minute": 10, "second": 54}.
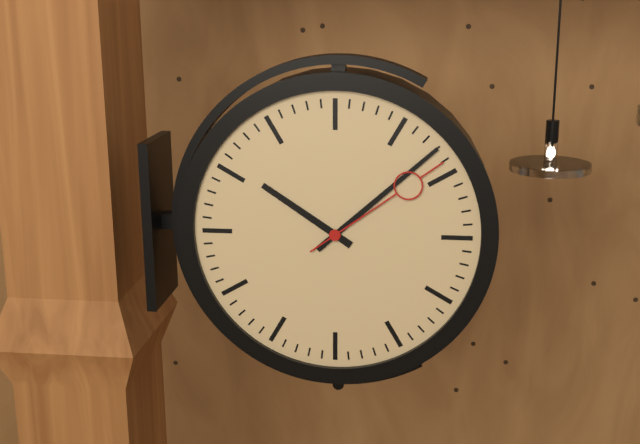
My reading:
{"hour": 10, "minute": 8, "second": 9}
